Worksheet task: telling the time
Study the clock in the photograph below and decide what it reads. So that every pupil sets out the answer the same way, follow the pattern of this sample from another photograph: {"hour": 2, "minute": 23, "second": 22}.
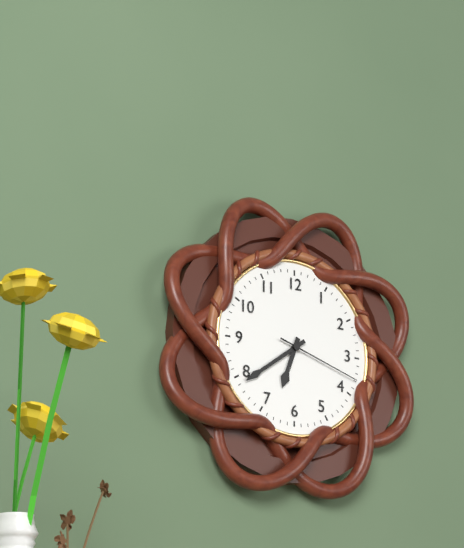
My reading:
{"hour": 6, "minute": 39, "second": 18}
